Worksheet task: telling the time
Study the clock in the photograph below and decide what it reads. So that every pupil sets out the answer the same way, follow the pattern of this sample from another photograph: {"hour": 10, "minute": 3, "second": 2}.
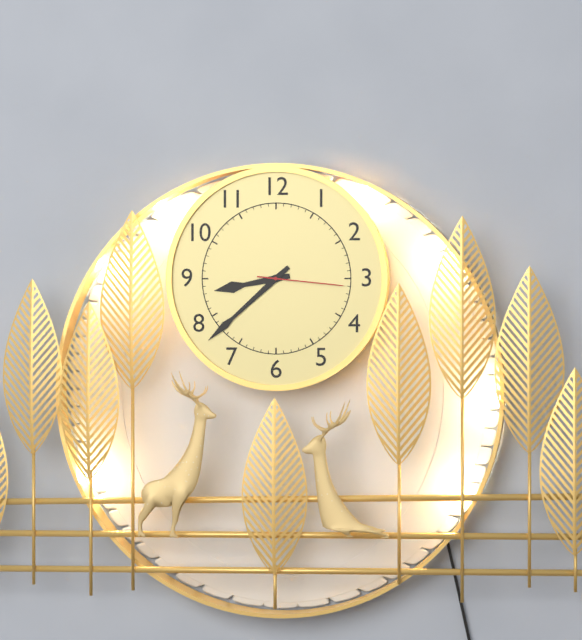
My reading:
{"hour": 8, "minute": 38, "second": 16}
